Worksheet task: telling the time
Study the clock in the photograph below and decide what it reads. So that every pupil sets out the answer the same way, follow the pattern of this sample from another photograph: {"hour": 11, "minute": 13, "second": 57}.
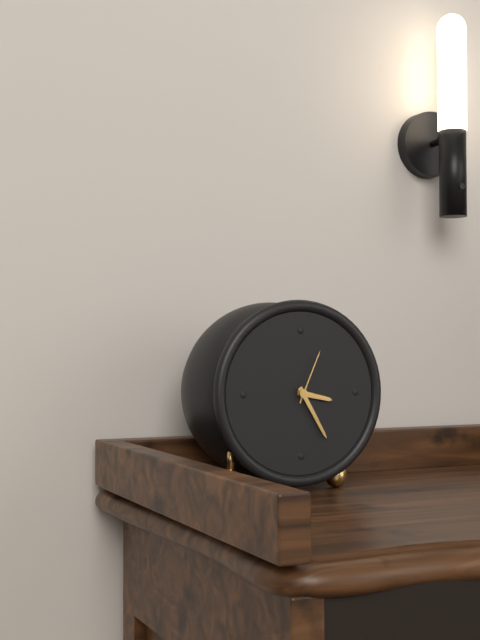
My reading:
{"hour": 3, "minute": 25, "second": 4}
